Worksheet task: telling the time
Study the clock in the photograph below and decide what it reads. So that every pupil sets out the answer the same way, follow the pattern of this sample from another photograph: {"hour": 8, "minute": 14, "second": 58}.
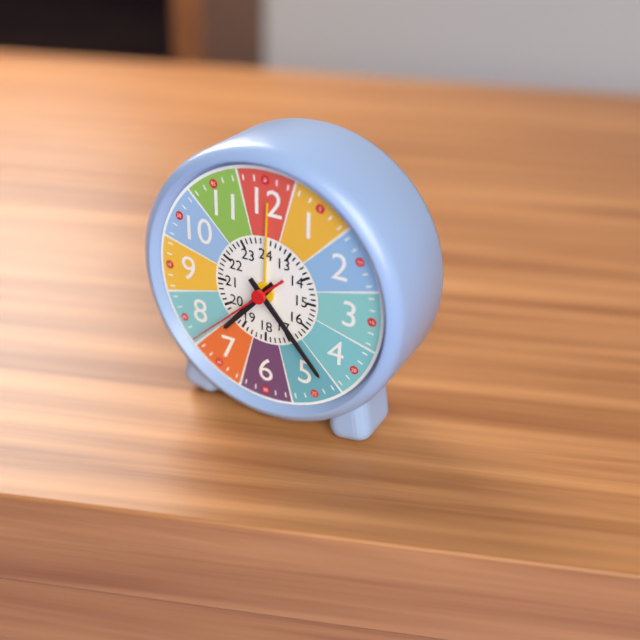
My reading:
{"hour": 7, "minute": 23, "second": 38}
